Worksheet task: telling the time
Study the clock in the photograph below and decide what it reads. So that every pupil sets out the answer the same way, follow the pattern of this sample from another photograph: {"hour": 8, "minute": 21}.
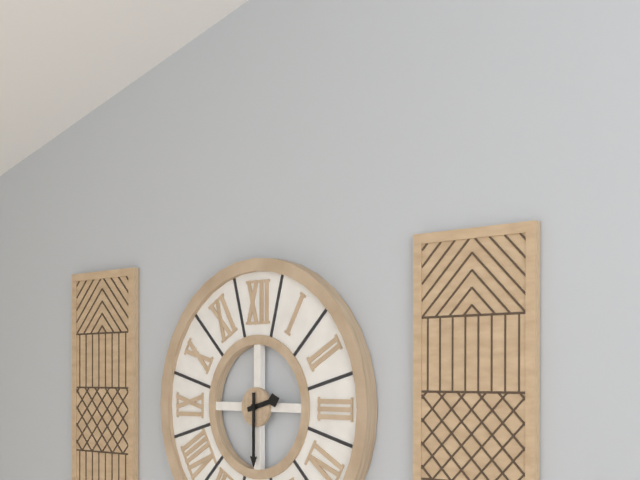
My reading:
{"hour": 2, "minute": 30}
